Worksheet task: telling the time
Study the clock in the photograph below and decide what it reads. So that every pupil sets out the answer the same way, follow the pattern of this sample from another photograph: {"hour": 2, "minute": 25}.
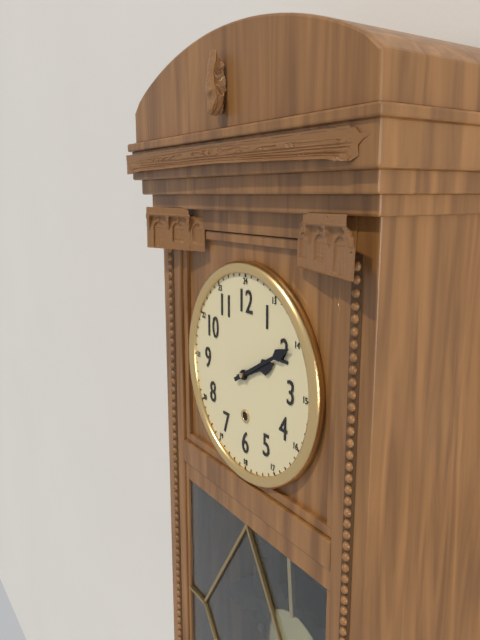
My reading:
{"hour": 2, "minute": 10}
